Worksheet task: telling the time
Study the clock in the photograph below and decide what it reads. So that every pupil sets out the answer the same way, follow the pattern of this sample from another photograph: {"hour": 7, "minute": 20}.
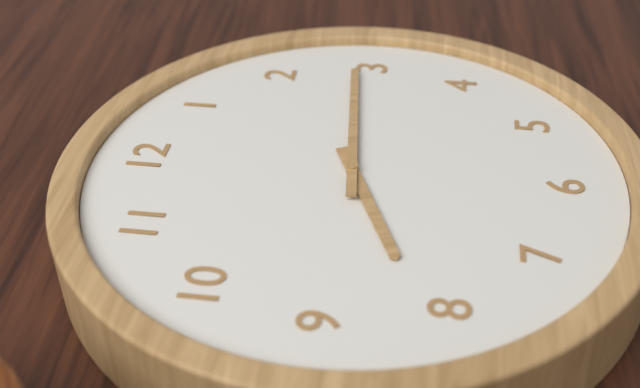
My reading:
{"hour": 8, "minute": 14}
